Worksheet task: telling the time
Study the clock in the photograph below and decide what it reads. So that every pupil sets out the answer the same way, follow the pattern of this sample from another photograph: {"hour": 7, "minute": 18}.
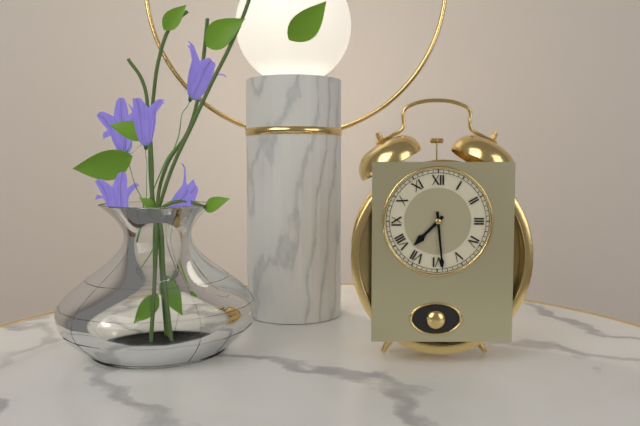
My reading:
{"hour": 7, "minute": 29}
